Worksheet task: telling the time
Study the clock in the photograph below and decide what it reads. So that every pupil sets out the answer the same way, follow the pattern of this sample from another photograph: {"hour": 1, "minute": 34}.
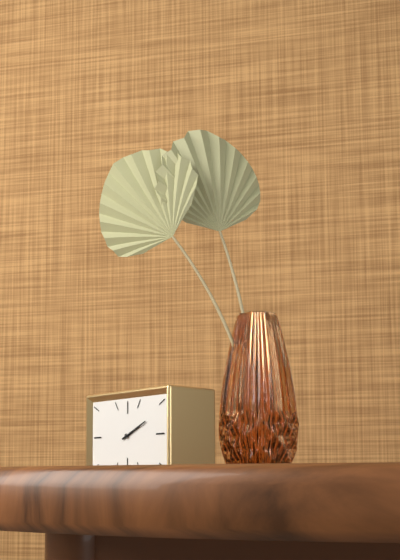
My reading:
{"hour": 2, "minute": 11}
